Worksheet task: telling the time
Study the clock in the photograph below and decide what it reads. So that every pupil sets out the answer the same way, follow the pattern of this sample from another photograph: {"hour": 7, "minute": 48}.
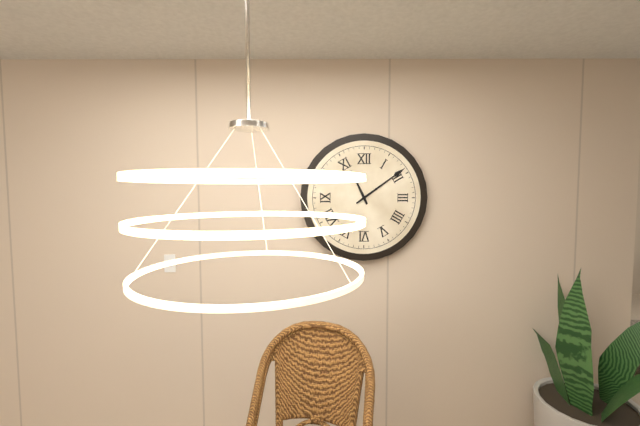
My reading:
{"hour": 11, "minute": 9}
